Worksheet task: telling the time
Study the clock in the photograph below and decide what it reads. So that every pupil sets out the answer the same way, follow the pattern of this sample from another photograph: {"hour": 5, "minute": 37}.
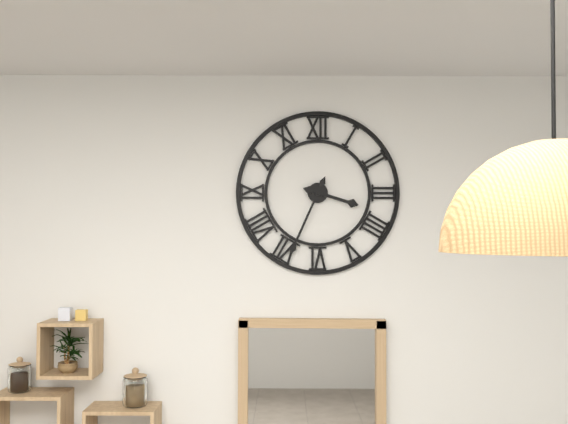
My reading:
{"hour": 3, "minute": 34}
